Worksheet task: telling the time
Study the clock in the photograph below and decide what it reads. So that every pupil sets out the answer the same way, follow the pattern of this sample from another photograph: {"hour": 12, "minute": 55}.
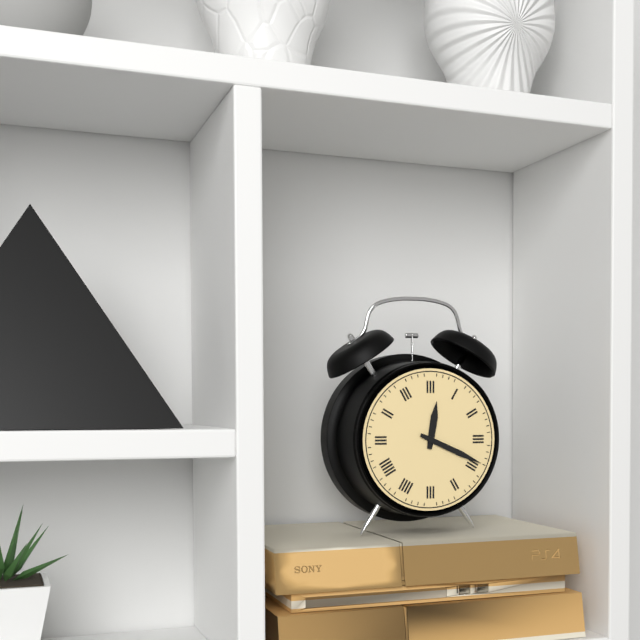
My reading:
{"hour": 12, "minute": 19}
